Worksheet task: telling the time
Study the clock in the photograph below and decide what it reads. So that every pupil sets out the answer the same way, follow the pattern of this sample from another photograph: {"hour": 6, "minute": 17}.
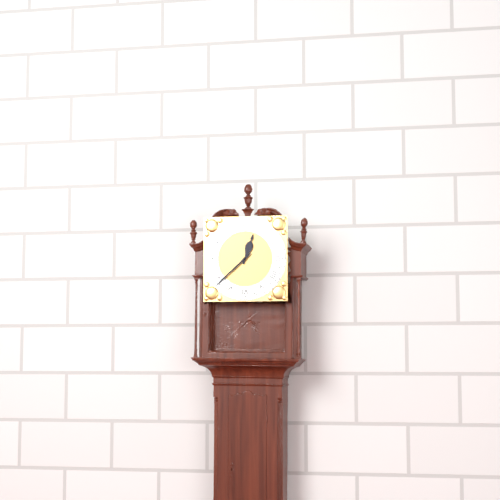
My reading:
{"hour": 12, "minute": 38}
